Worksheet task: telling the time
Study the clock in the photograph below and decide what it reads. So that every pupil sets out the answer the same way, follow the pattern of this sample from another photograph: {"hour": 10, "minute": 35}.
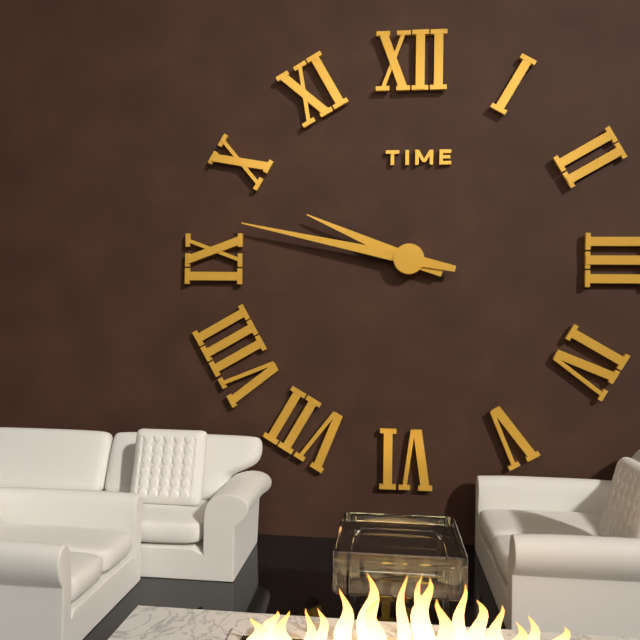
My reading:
{"hour": 9, "minute": 47}
